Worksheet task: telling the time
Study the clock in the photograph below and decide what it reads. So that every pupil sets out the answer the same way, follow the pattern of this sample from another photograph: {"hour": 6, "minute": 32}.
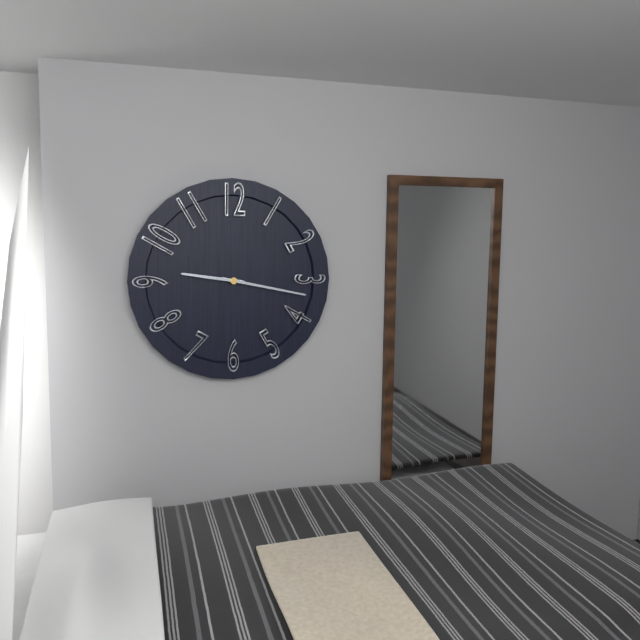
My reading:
{"hour": 9, "minute": 17}
